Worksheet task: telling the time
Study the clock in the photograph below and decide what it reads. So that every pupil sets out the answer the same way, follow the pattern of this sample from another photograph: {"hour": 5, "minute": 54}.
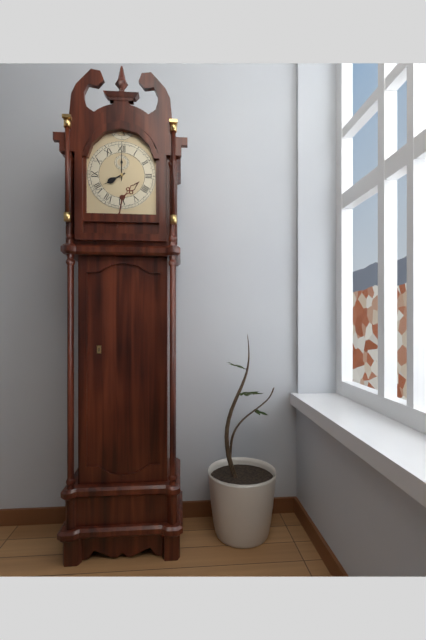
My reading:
{"hour": 8, "minute": 0}
